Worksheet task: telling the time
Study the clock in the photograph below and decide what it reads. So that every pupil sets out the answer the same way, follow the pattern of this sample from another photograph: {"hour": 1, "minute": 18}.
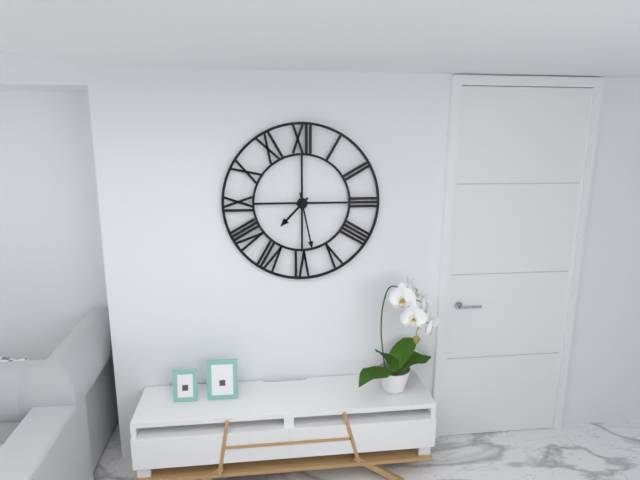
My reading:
{"hour": 7, "minute": 28}
